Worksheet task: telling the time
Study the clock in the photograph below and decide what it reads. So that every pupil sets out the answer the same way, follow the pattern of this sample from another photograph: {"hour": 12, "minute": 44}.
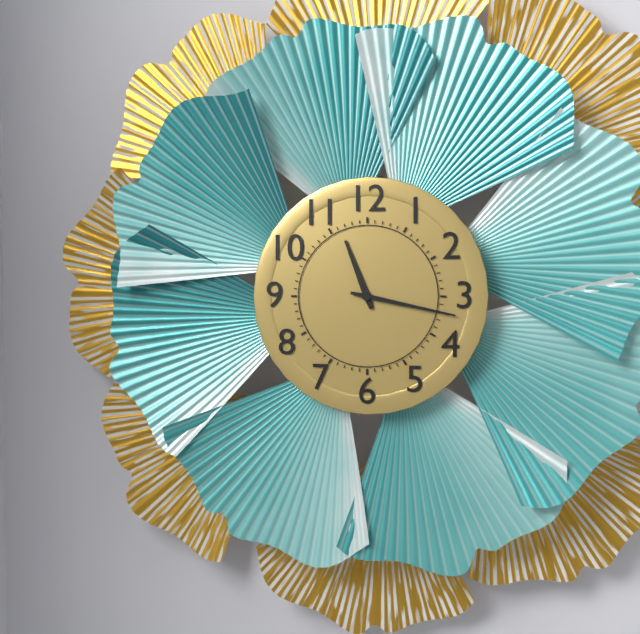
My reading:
{"hour": 11, "minute": 17}
